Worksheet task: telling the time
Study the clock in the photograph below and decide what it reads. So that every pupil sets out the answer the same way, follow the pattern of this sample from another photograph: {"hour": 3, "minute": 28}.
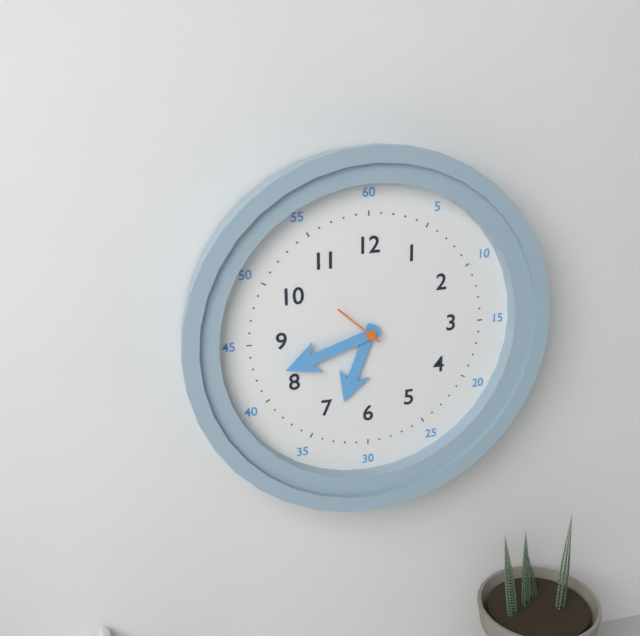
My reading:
{"hour": 6, "minute": 42}
